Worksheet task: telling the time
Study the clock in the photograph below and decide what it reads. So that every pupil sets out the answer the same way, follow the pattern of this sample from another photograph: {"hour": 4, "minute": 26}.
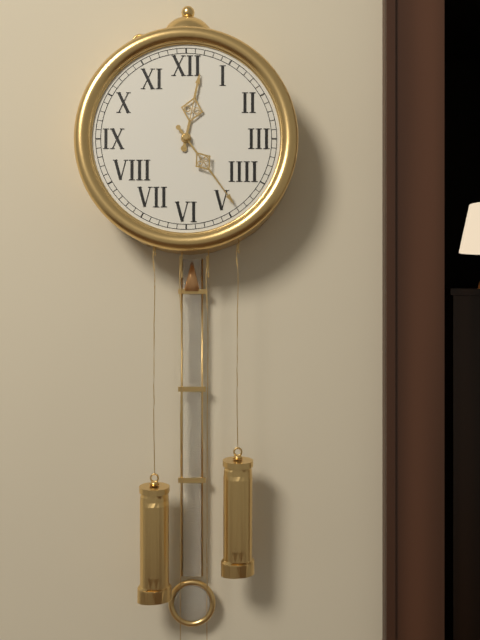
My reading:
{"hour": 12, "minute": 24}
